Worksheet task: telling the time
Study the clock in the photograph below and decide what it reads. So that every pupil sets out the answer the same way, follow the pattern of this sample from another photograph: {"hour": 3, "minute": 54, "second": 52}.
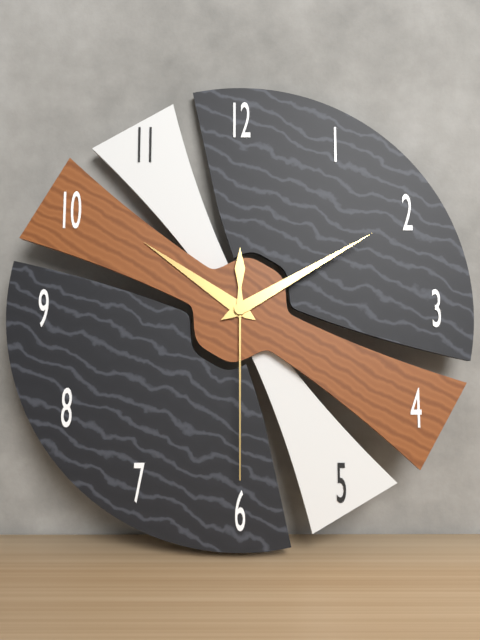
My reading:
{"hour": 10, "minute": 10, "second": 30}
